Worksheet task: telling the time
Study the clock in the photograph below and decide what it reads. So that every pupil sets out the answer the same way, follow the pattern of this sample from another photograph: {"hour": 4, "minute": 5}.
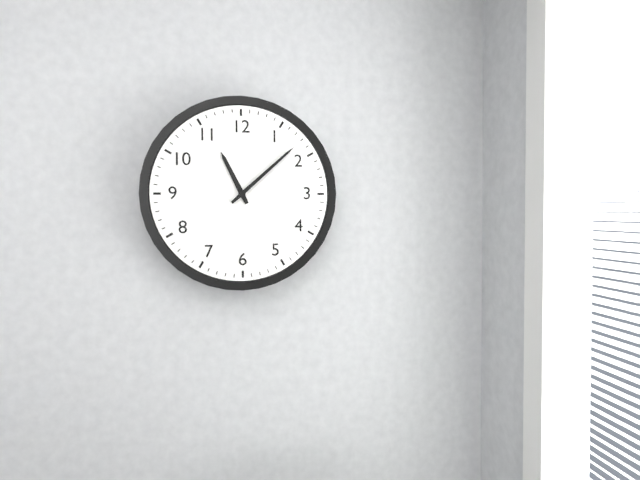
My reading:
{"hour": 11, "minute": 8}
